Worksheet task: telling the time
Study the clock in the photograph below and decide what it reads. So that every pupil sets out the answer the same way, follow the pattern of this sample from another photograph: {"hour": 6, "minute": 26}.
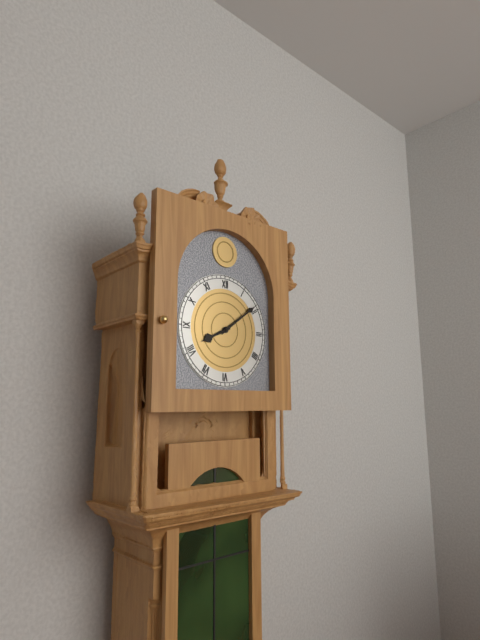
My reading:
{"hour": 8, "minute": 9}
